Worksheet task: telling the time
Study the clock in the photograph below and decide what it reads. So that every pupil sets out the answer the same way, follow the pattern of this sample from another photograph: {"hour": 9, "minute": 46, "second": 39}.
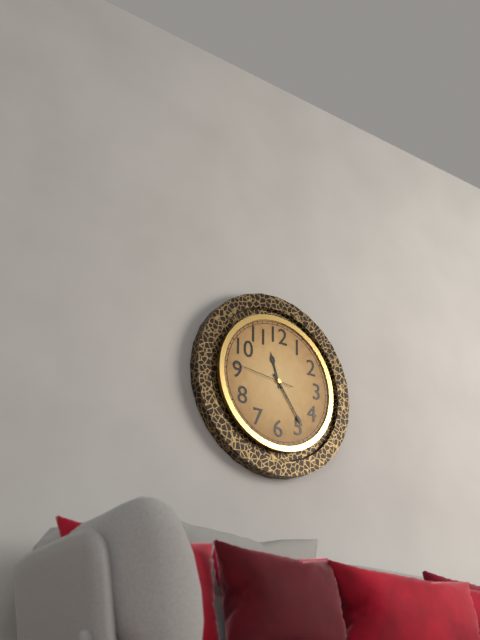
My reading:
{"hour": 11, "minute": 24, "second": 46}
